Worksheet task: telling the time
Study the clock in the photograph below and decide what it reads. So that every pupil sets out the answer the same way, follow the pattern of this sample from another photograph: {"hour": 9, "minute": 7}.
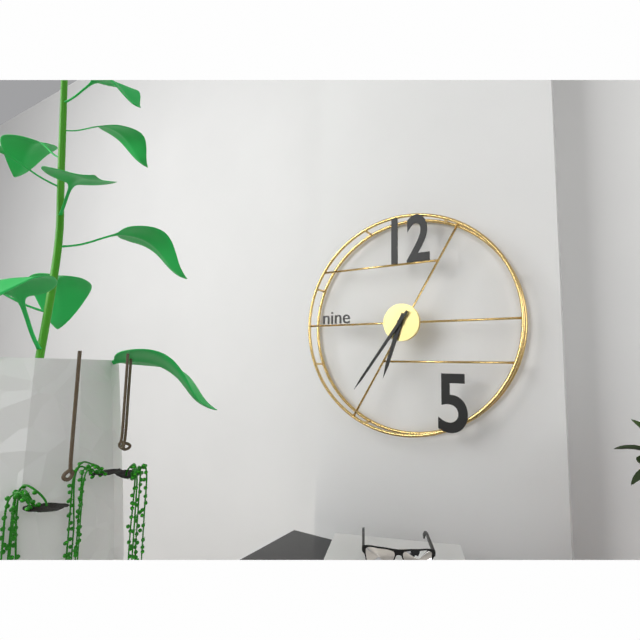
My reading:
{"hour": 6, "minute": 36}
